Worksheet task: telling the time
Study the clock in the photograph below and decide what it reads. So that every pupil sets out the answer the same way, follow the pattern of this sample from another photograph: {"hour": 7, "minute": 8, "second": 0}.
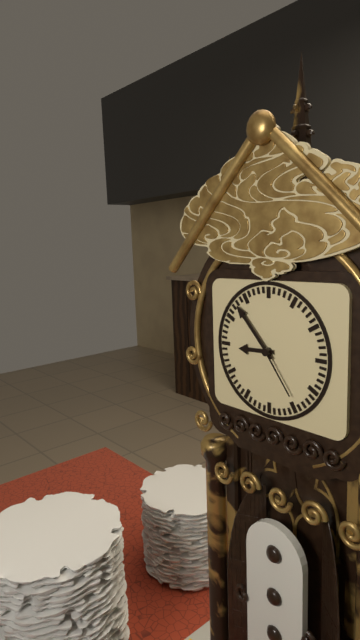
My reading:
{"hour": 8, "minute": 53, "second": 24}
